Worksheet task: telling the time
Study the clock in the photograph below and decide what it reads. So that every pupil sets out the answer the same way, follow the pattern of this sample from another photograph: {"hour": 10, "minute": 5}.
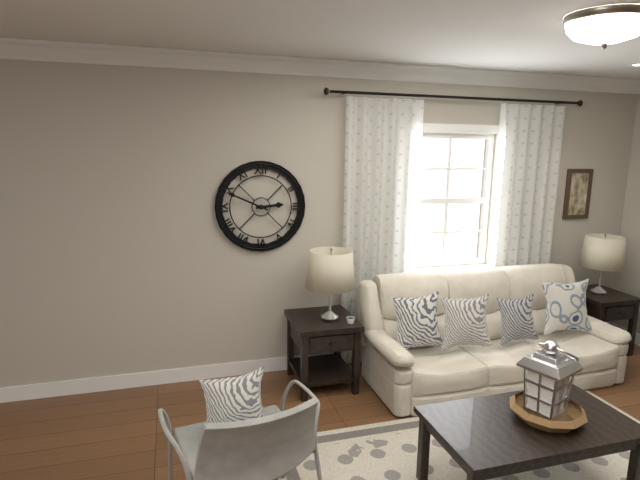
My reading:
{"hour": 2, "minute": 49}
